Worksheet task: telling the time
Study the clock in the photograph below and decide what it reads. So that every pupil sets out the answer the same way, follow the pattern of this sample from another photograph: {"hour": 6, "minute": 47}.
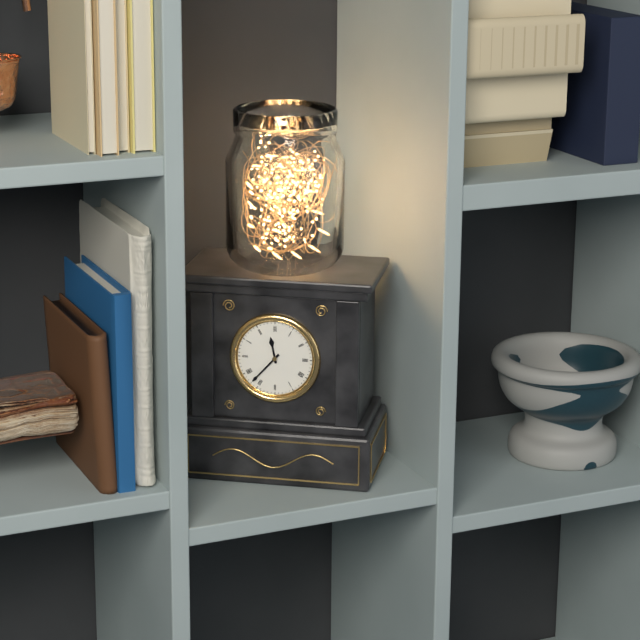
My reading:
{"hour": 11, "minute": 37}
